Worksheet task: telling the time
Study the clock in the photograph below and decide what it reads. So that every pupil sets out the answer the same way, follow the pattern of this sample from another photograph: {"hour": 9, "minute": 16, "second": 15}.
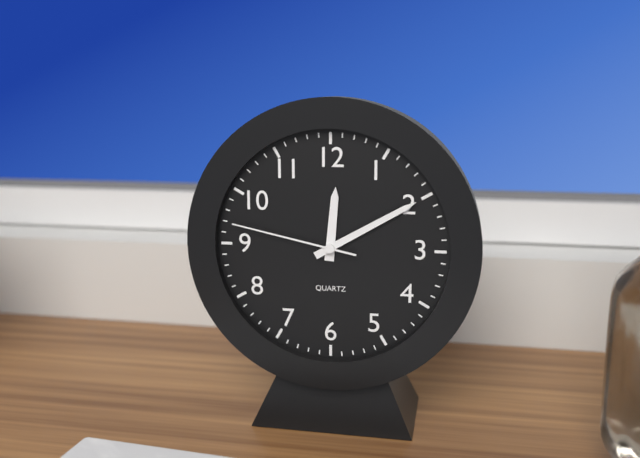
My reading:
{"hour": 12, "minute": 10, "second": 47}
